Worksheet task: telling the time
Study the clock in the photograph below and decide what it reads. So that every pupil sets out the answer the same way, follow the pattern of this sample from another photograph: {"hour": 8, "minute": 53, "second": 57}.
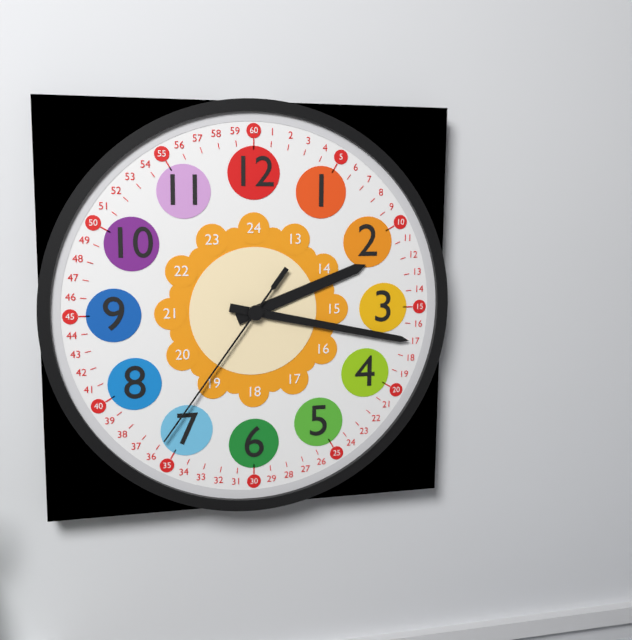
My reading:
{"hour": 2, "minute": 17, "second": 36}
